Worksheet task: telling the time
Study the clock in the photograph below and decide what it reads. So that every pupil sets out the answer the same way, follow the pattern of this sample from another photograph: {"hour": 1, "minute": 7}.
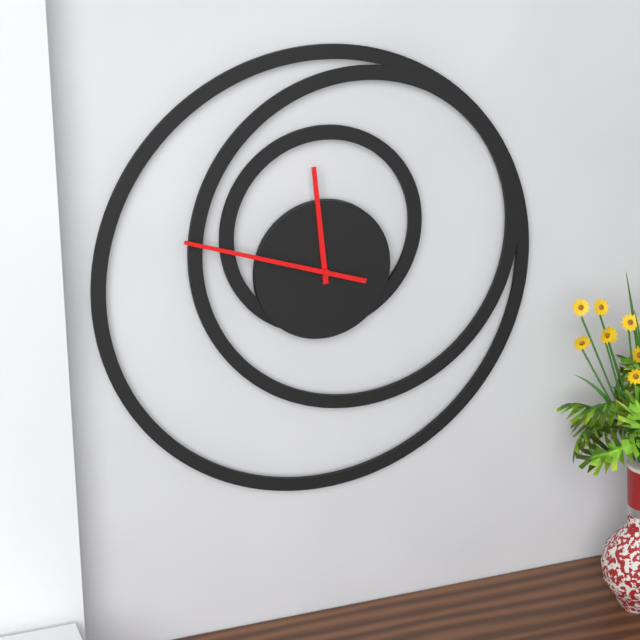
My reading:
{"hour": 11, "minute": 48}
